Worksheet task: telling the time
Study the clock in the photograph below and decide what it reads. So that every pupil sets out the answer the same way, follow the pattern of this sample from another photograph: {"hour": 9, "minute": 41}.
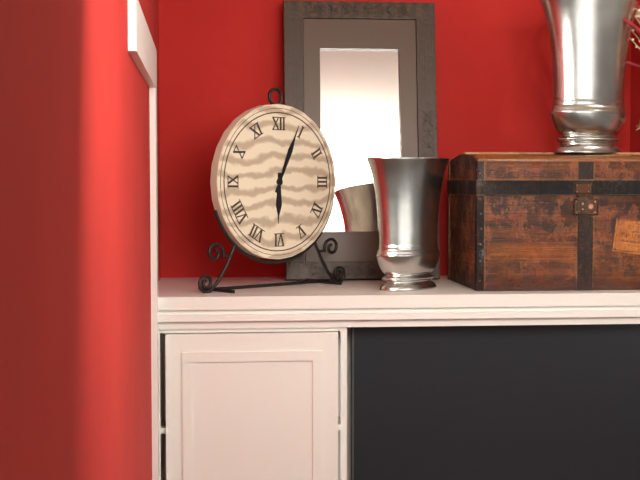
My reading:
{"hour": 6, "minute": 4}
